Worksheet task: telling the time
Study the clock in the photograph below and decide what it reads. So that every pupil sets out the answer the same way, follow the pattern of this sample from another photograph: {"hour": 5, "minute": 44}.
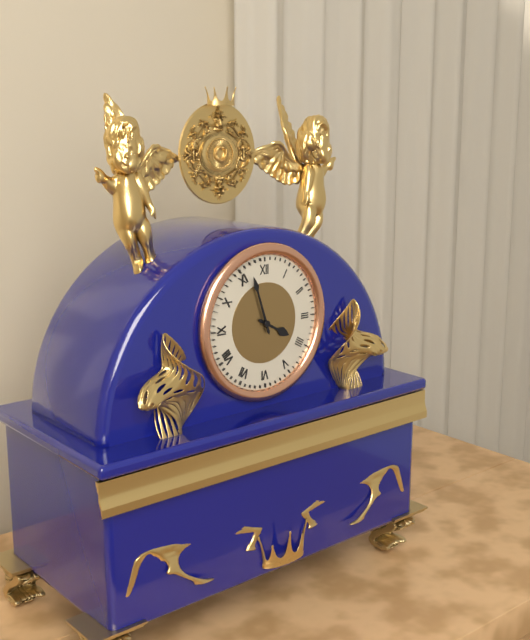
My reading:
{"hour": 3, "minute": 57}
